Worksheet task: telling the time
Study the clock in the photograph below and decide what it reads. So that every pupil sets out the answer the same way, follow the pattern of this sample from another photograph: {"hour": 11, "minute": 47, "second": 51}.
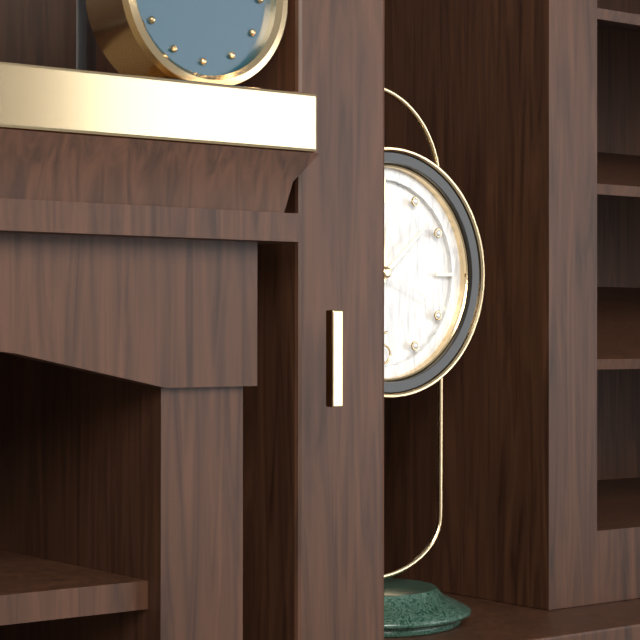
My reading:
{"hour": 12, "minute": 8, "second": 19}
